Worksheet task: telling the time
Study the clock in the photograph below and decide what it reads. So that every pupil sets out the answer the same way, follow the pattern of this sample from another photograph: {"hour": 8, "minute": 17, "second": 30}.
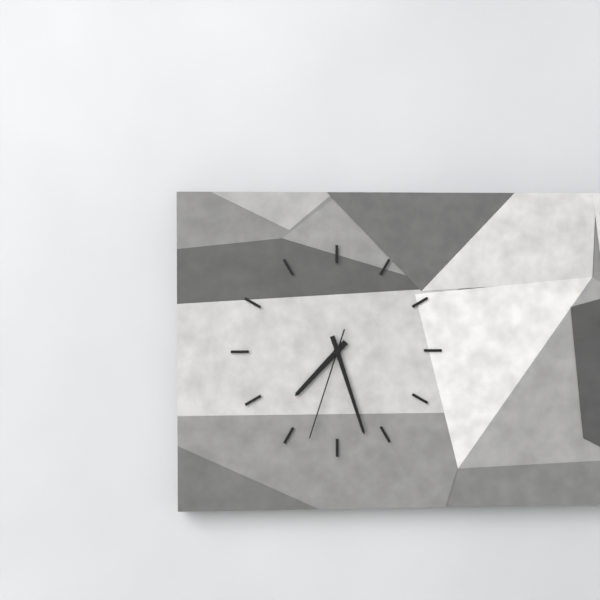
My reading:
{"hour": 7, "minute": 27, "second": 33}
